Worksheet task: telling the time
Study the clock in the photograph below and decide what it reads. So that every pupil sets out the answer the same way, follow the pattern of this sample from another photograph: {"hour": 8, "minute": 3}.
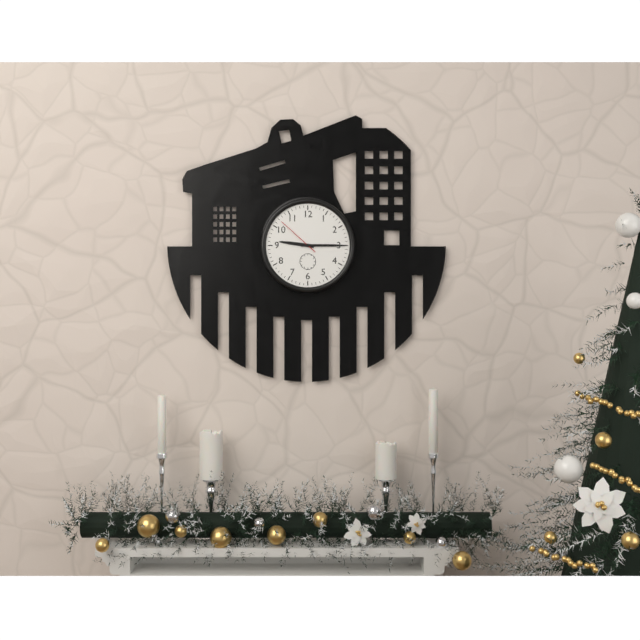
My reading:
{"hour": 9, "minute": 15}
